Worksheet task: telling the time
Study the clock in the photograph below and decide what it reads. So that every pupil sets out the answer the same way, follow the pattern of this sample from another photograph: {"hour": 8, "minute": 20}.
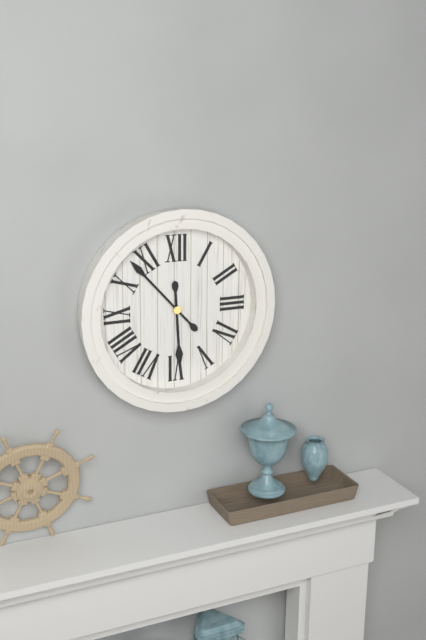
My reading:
{"hour": 5, "minute": 53}
